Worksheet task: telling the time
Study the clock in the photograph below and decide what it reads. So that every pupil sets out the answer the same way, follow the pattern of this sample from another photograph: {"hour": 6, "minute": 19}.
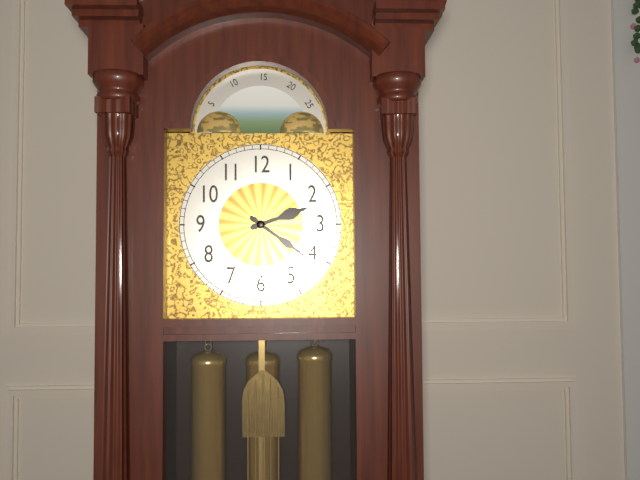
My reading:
{"hour": 2, "minute": 21}
